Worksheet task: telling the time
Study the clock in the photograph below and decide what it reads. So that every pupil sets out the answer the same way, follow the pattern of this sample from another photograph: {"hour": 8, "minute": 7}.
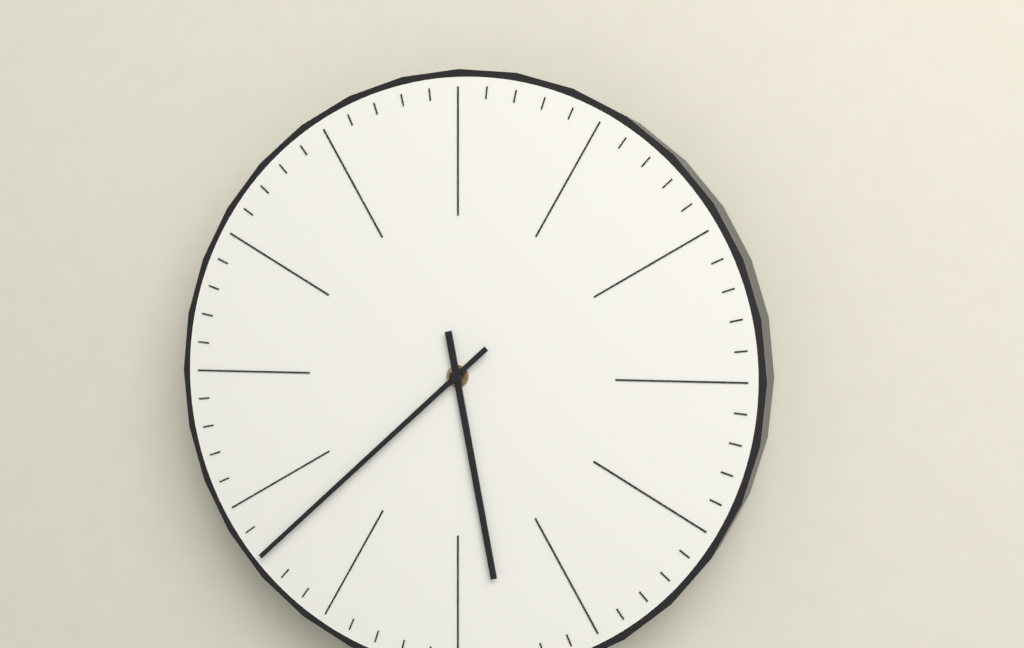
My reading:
{"hour": 5, "minute": 38}
